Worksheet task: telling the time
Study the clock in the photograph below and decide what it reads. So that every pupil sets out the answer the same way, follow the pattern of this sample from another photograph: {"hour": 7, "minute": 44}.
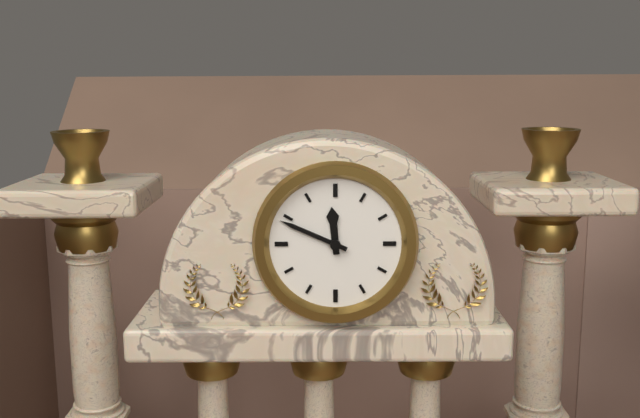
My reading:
{"hour": 11, "minute": 49}
